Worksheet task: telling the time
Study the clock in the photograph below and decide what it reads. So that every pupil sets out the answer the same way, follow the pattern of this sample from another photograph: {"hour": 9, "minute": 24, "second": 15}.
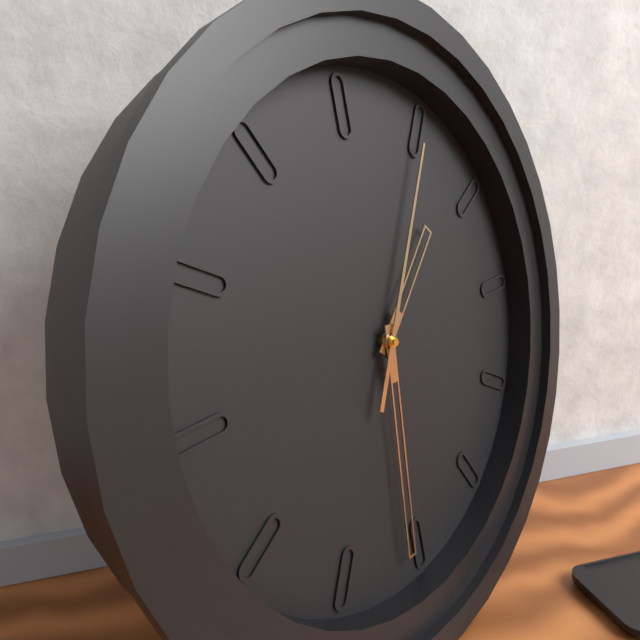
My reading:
{"hour": 1, "minute": 31, "second": 5}
